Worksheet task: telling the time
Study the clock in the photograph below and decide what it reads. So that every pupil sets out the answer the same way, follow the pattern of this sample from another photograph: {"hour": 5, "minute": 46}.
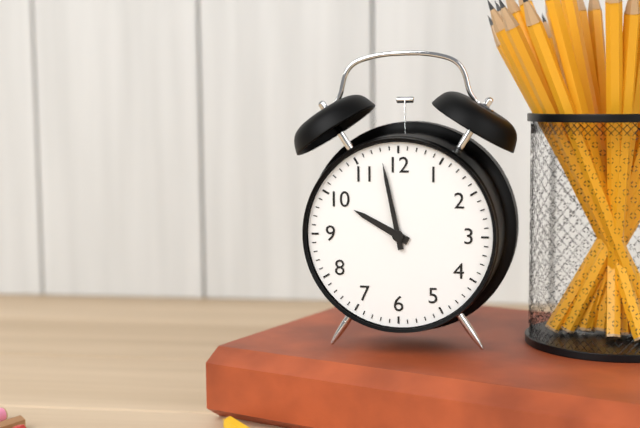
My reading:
{"hour": 9, "minute": 58}
